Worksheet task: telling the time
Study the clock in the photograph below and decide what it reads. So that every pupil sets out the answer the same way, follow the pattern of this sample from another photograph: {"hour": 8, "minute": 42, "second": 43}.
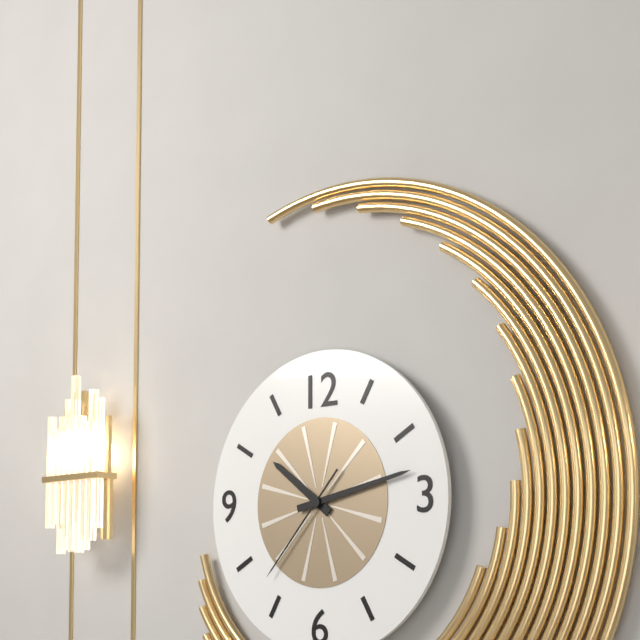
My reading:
{"hour": 10, "minute": 13, "second": 37}
